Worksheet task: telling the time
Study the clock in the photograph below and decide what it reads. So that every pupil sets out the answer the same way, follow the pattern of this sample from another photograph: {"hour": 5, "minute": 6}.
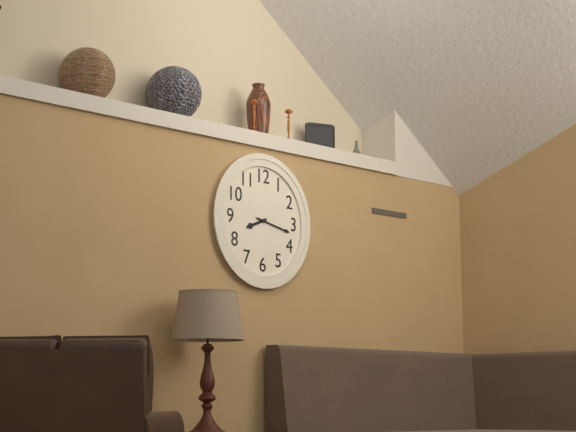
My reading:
{"hour": 8, "minute": 17}
